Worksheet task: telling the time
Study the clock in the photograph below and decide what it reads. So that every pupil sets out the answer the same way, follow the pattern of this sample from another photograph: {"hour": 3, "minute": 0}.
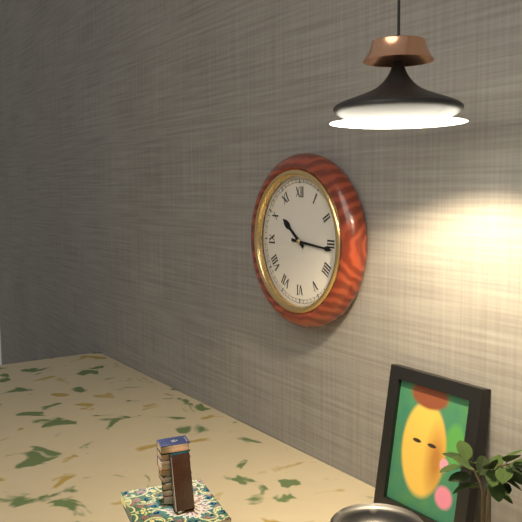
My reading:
{"hour": 10, "minute": 16}
